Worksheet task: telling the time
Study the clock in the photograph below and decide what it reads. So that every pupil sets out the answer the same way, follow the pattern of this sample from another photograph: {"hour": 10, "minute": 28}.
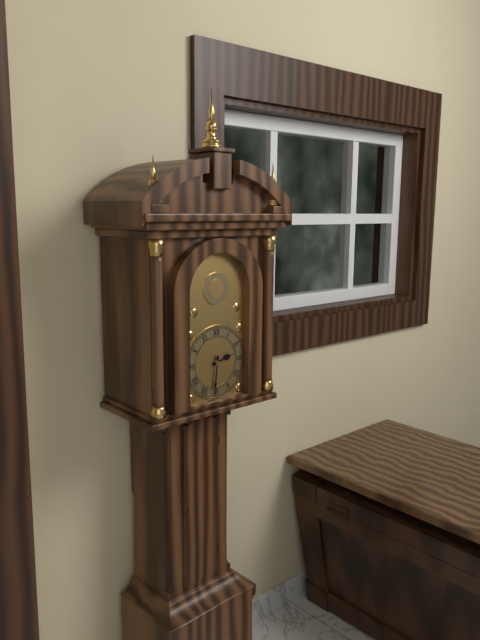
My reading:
{"hour": 2, "minute": 31}
